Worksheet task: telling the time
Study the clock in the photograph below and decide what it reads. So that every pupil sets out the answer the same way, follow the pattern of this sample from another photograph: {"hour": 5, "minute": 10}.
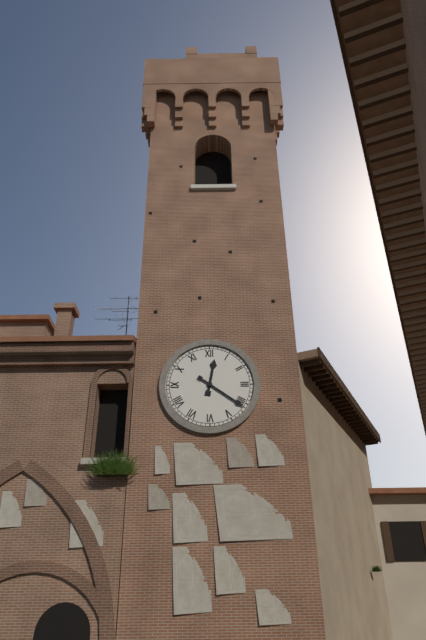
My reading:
{"hour": 12, "minute": 21}
